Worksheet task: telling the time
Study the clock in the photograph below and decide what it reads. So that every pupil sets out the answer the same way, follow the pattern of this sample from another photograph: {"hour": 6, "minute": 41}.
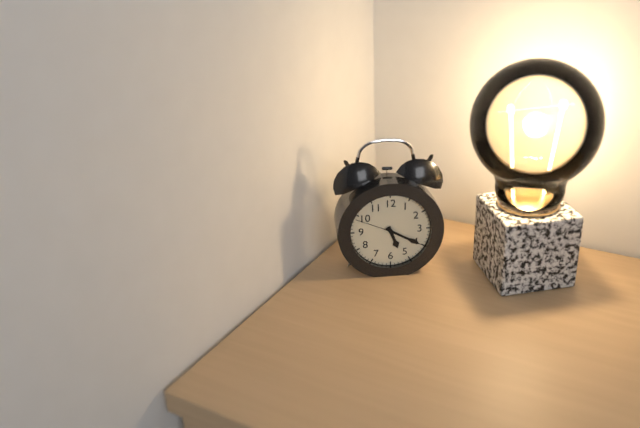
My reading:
{"hour": 5, "minute": 20}
